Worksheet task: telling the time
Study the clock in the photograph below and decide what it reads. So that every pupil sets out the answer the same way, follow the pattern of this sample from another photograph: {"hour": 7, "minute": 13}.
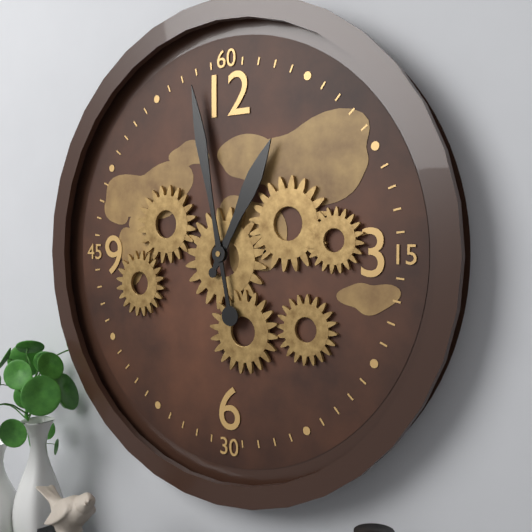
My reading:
{"hour": 12, "minute": 58}
